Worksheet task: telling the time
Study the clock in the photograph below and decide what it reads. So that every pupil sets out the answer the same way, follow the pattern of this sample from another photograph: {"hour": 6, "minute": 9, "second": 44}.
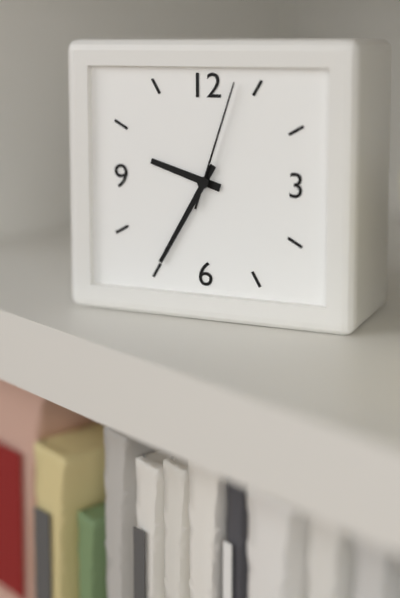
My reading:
{"hour": 9, "minute": 35, "second": 3}
